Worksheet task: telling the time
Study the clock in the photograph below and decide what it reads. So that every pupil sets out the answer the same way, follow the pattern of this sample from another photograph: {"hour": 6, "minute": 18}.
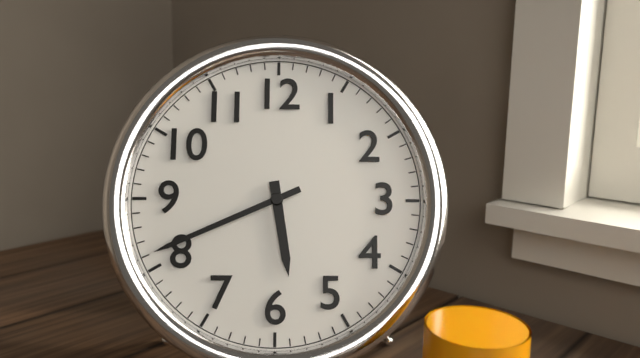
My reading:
{"hour": 5, "minute": 41}
